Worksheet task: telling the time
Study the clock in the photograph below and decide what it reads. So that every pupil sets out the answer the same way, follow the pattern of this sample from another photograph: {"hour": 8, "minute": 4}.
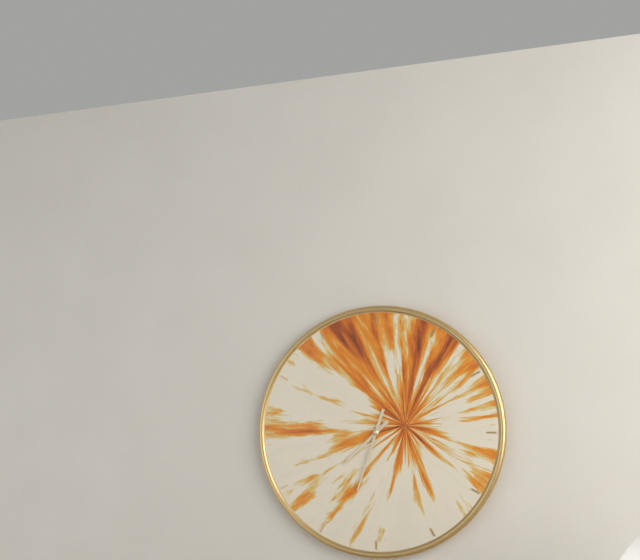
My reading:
{"hour": 7, "minute": 33}
